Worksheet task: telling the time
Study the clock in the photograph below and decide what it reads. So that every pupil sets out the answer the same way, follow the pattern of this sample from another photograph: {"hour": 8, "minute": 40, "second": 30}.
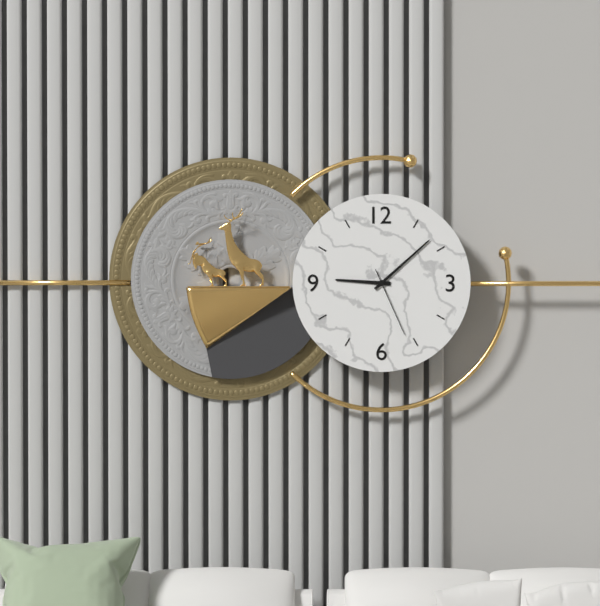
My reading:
{"hour": 9, "minute": 8, "second": 26}
